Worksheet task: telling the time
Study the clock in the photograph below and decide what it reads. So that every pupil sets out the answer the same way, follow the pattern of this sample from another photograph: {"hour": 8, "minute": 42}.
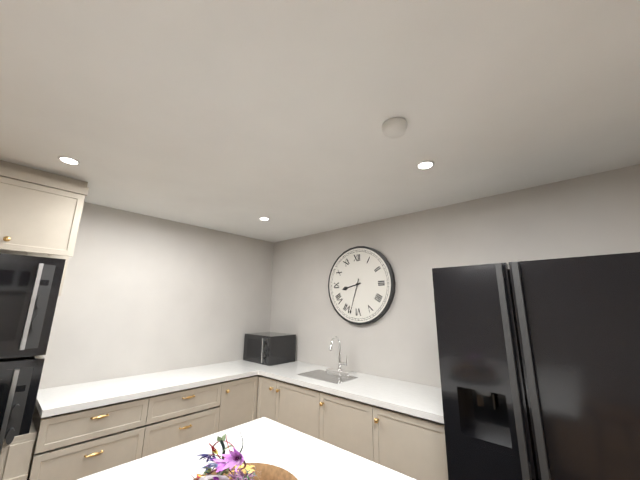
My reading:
{"hour": 8, "minute": 33}
